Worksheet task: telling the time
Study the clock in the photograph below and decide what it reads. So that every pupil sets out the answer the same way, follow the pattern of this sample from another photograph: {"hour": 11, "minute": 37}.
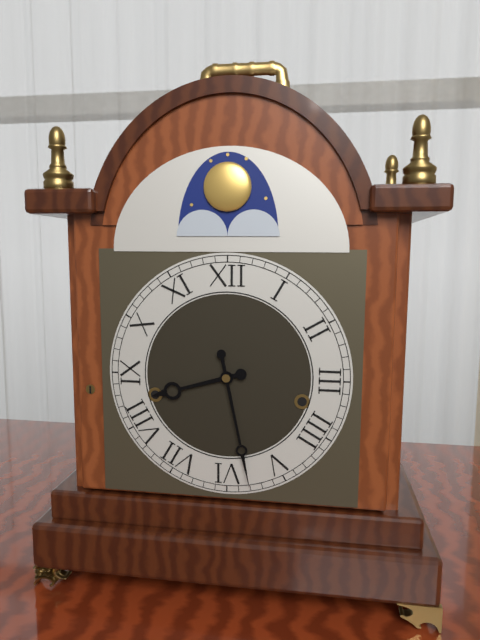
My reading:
{"hour": 8, "minute": 28}
